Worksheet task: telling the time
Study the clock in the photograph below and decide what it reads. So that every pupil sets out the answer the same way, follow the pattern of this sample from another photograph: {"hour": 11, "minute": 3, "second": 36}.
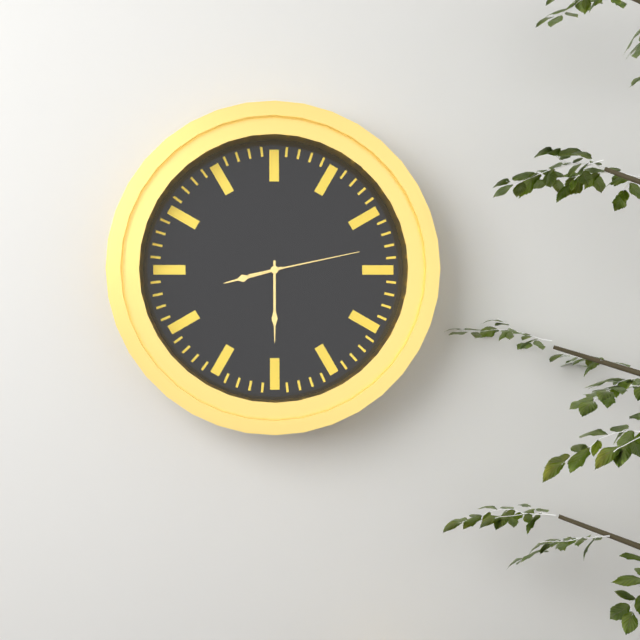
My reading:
{"hour": 8, "minute": 30, "second": 13}
